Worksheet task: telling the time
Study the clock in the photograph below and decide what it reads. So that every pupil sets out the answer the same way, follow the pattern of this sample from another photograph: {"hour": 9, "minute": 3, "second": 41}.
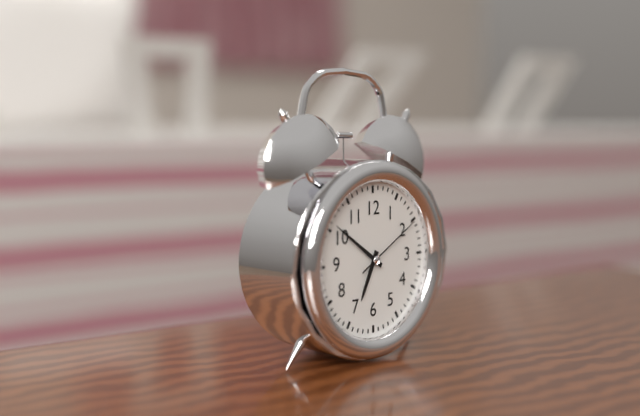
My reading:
{"hour": 6, "minute": 51, "second": 10}
